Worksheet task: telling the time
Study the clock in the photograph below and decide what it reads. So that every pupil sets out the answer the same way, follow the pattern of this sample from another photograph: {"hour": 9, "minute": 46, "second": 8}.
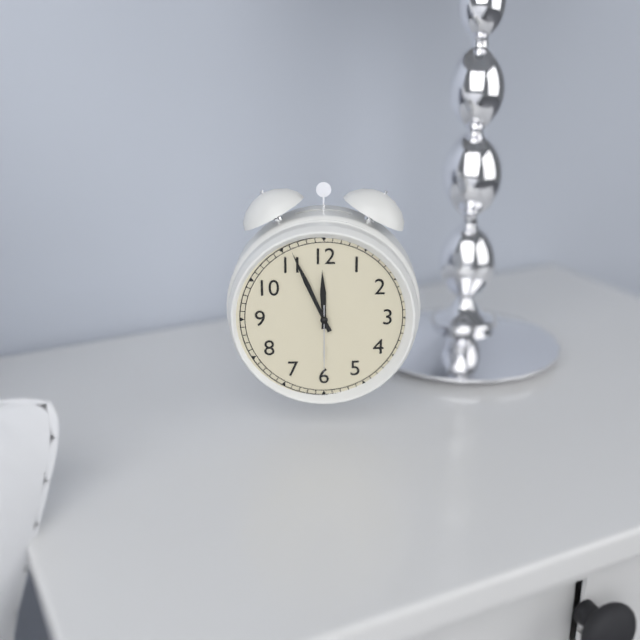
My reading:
{"hour": 11, "minute": 56, "second": 30}
